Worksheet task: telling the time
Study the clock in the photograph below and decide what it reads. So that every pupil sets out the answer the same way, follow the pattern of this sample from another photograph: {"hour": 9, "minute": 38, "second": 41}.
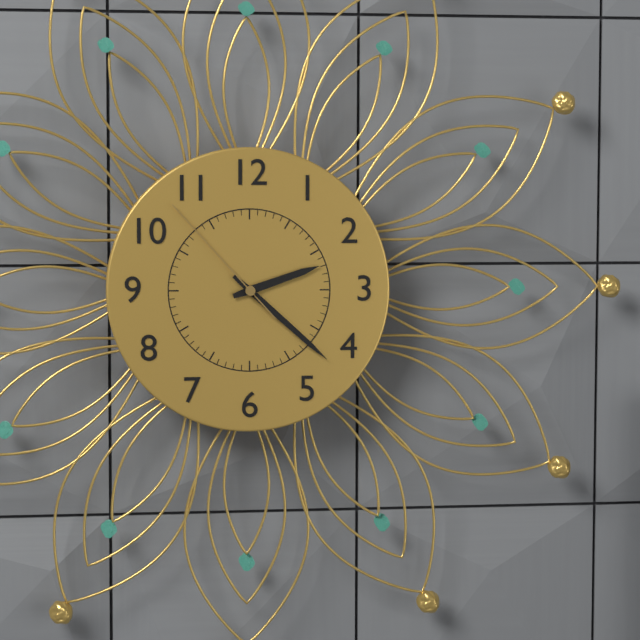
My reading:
{"hour": 2, "minute": 22, "second": 53}
